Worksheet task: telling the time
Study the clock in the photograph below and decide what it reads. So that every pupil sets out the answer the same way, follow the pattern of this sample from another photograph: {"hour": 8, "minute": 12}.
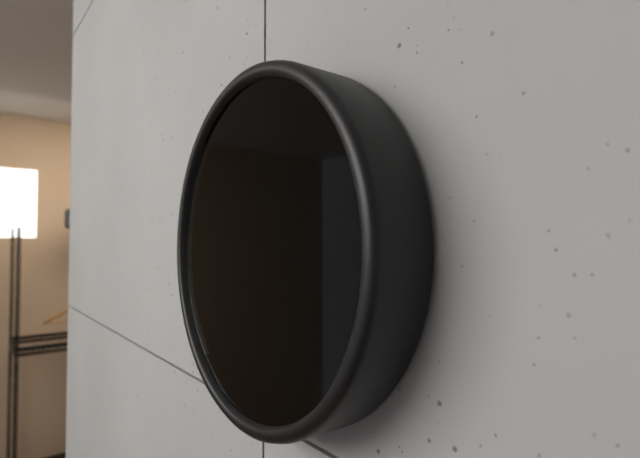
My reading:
{"hour": 6, "minute": 16}
